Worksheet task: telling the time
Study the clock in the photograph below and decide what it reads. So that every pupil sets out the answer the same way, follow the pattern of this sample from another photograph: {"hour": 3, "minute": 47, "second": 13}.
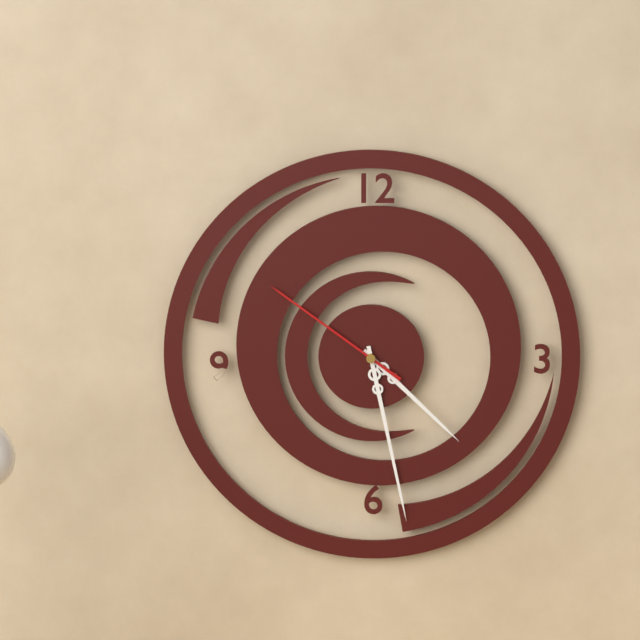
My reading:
{"hour": 4, "minute": 28, "second": 51}
